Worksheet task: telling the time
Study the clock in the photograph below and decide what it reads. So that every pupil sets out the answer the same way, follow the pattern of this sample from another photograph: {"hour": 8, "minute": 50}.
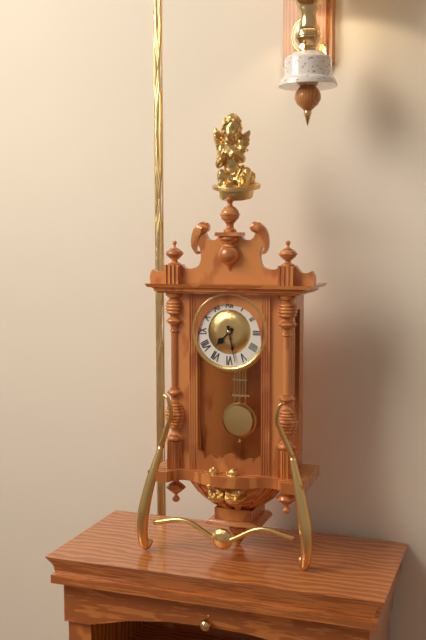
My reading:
{"hour": 7, "minute": 28}
